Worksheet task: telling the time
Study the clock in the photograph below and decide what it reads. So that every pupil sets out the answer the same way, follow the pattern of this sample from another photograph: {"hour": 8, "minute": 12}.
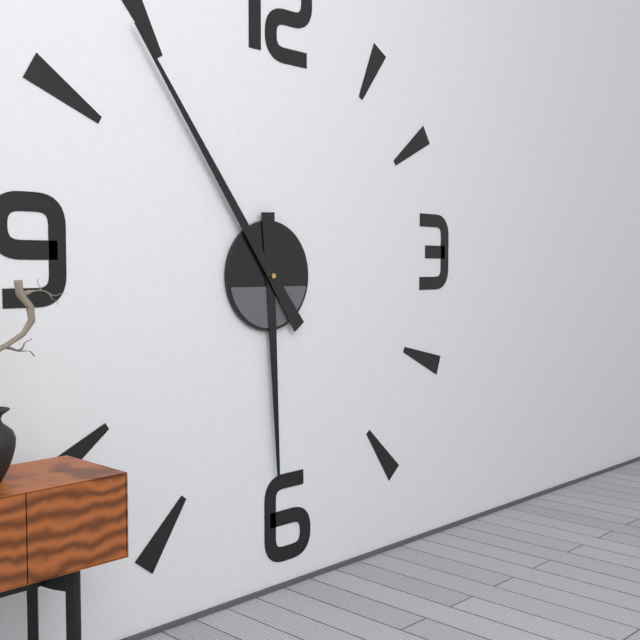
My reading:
{"hour": 5, "minute": 54}
